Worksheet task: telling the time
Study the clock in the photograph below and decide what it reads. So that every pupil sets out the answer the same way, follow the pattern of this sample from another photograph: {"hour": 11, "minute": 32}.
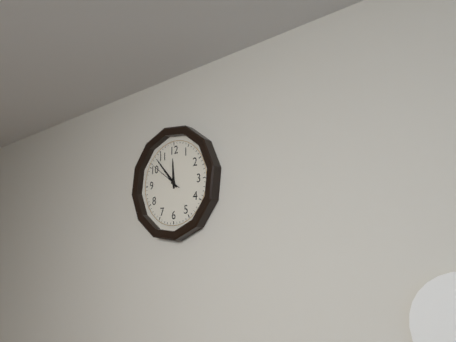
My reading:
{"hour": 11, "minute": 53}
